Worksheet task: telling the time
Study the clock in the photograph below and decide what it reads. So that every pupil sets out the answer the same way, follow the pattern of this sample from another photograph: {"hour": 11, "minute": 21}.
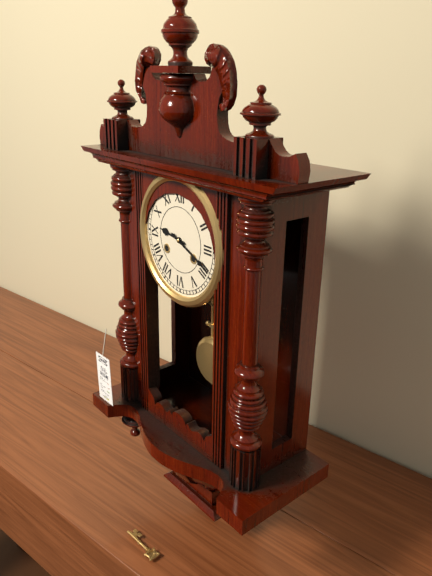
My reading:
{"hour": 9, "minute": 19}
